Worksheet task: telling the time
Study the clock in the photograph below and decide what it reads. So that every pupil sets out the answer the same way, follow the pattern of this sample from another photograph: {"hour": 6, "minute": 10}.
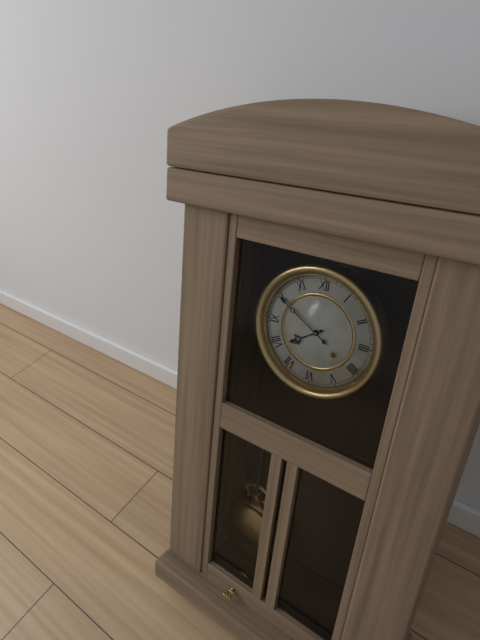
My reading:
{"hour": 7, "minute": 50}
